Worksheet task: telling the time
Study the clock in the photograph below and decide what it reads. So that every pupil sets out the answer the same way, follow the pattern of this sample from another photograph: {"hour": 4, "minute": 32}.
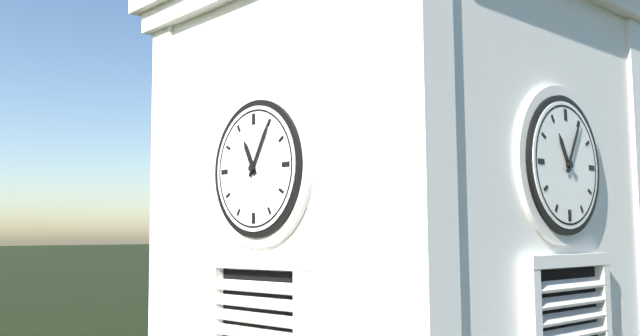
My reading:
{"hour": 11, "minute": 5}
